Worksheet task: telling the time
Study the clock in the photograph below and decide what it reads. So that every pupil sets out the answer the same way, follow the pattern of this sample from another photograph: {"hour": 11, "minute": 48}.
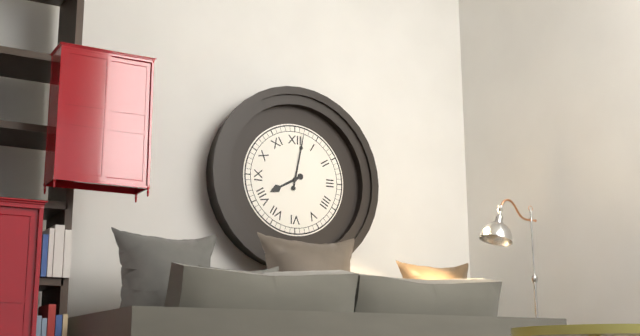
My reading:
{"hour": 8, "minute": 2}
